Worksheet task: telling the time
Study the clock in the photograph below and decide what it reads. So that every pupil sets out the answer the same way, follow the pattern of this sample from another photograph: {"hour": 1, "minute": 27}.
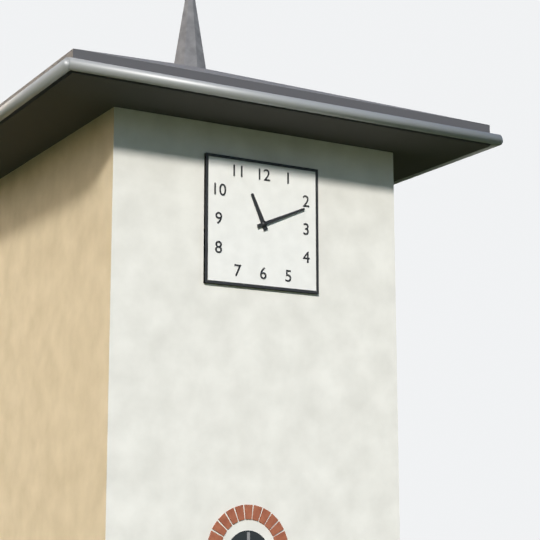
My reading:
{"hour": 11, "minute": 11}
